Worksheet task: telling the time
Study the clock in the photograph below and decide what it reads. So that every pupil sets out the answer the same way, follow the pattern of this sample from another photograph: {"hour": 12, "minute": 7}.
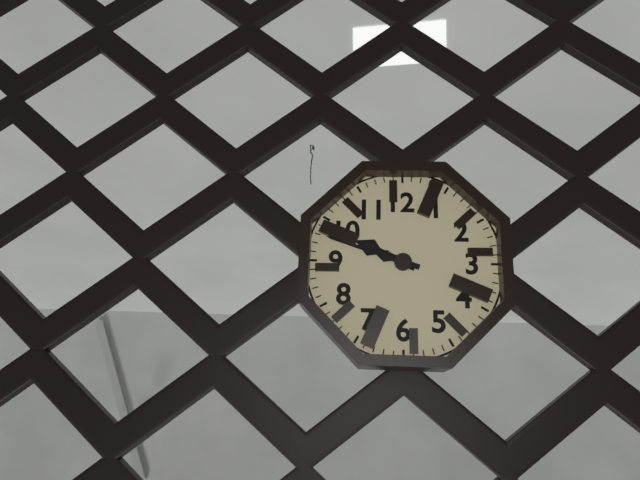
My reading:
{"hour": 9, "minute": 48}
